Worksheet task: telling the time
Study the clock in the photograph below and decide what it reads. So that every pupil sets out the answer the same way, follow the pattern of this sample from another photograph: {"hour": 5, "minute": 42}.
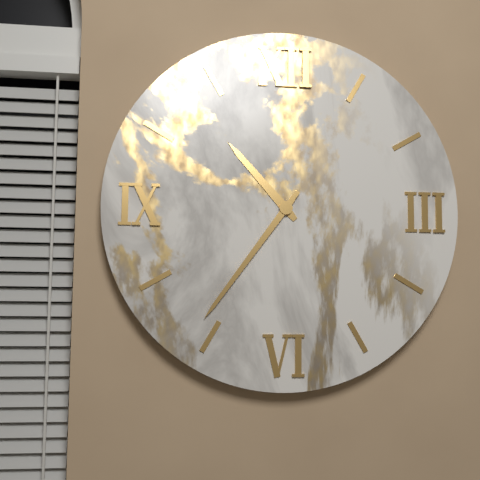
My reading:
{"hour": 10, "minute": 36}
